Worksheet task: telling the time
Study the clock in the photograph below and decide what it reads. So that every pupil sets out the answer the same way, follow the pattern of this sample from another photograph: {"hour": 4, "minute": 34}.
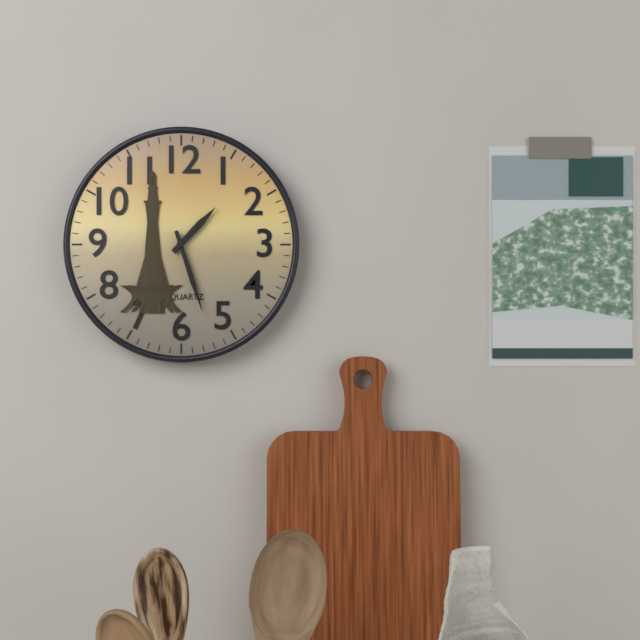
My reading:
{"hour": 1, "minute": 27}
